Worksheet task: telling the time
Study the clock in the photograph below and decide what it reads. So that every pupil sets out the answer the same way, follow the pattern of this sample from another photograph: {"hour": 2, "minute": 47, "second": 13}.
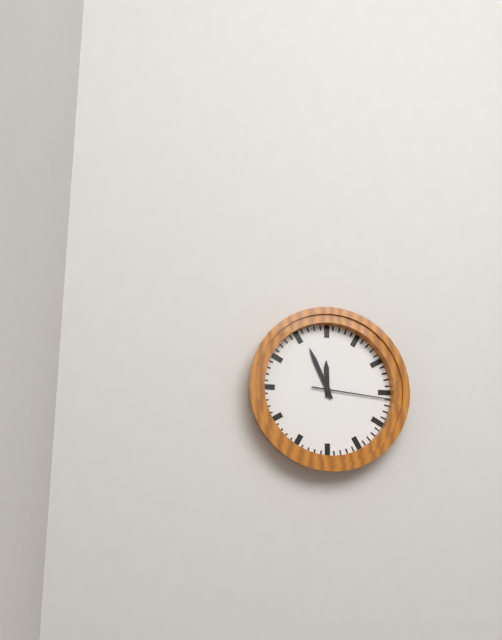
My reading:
{"hour": 11, "minute": 56, "second": 16}
